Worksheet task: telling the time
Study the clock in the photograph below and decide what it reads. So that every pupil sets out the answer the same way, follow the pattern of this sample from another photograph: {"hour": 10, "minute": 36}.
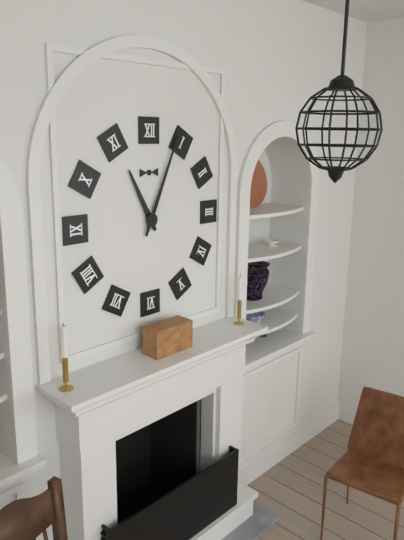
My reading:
{"hour": 11, "minute": 4}
